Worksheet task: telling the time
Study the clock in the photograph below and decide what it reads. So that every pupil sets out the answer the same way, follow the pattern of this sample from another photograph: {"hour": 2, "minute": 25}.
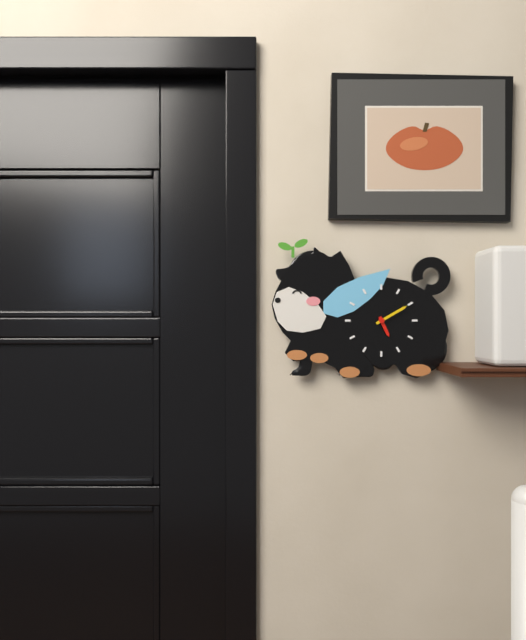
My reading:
{"hour": 5, "minute": 10}
